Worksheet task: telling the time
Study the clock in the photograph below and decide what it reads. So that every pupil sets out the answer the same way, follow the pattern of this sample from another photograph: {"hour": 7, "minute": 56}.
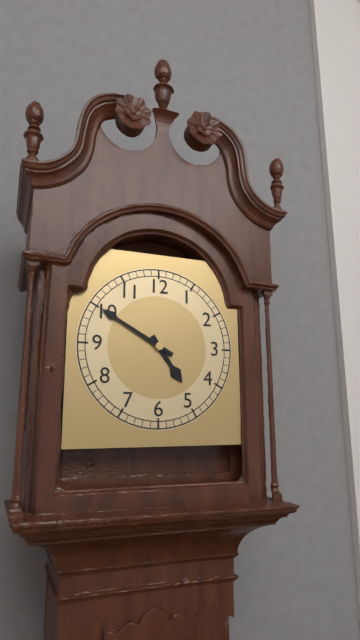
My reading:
{"hour": 4, "minute": 50}
